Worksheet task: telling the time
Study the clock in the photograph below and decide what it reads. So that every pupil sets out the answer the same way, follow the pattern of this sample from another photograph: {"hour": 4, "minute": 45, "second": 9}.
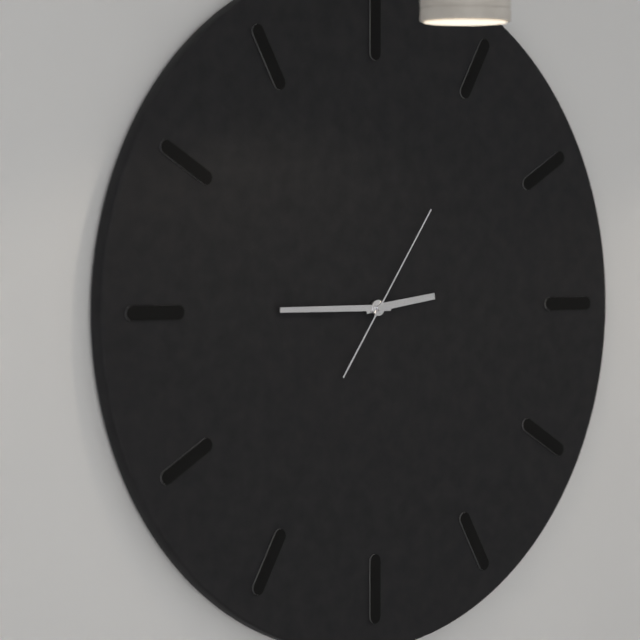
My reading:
{"hour": 2, "minute": 45, "second": 6}
